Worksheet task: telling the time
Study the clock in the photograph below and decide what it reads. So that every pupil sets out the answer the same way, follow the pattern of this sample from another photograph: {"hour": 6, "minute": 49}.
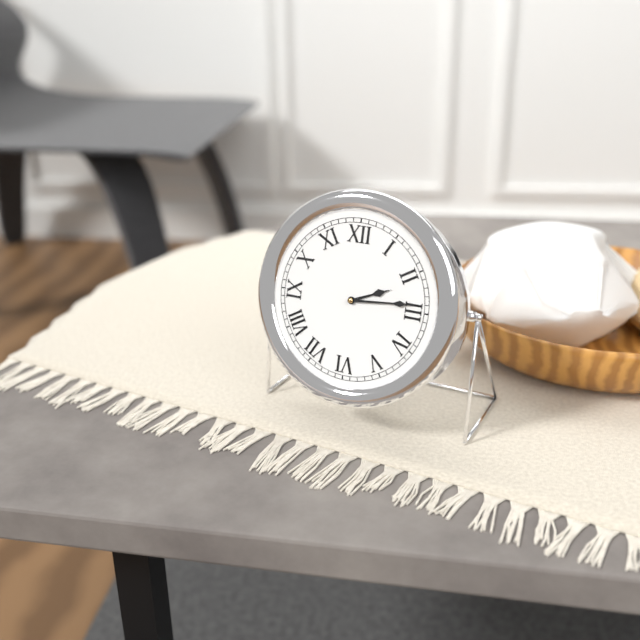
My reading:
{"hour": 2, "minute": 14}
